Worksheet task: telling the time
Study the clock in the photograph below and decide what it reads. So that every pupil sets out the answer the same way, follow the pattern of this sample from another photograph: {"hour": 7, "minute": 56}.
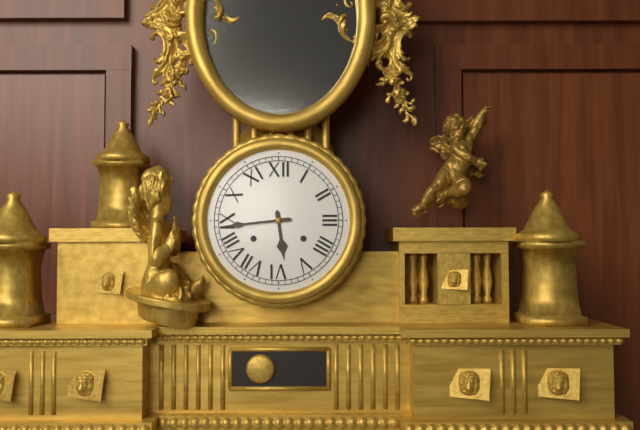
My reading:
{"hour": 5, "minute": 44}
